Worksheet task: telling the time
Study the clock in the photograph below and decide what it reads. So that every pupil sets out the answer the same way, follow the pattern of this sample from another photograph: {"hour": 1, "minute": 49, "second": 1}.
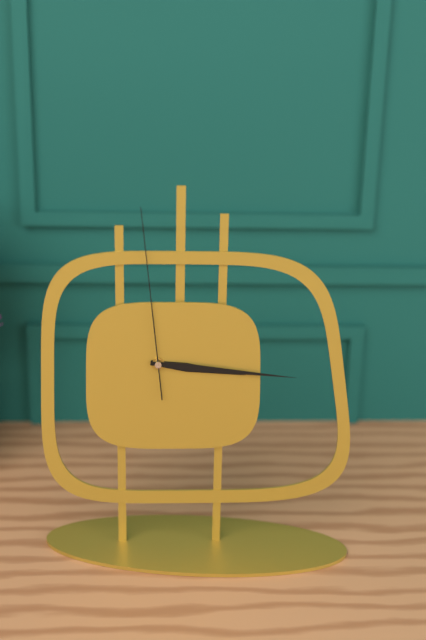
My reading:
{"hour": 3, "minute": 16, "second": 59}
